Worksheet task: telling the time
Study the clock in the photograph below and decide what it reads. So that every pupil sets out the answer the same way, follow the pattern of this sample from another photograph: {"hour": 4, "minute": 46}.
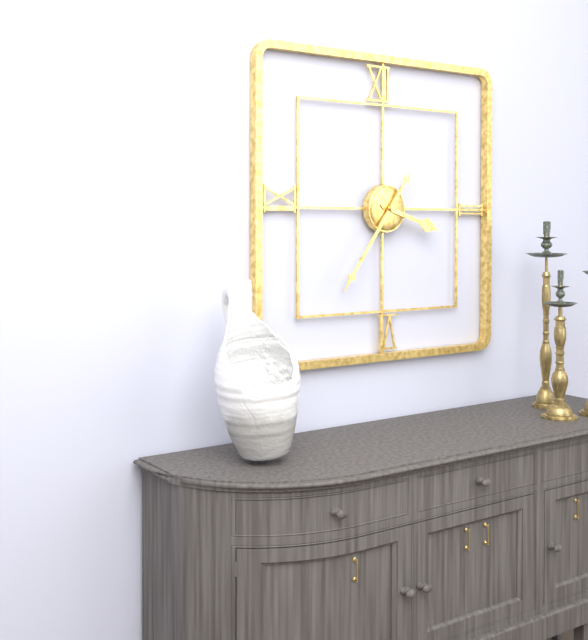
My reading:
{"hour": 3, "minute": 36}
